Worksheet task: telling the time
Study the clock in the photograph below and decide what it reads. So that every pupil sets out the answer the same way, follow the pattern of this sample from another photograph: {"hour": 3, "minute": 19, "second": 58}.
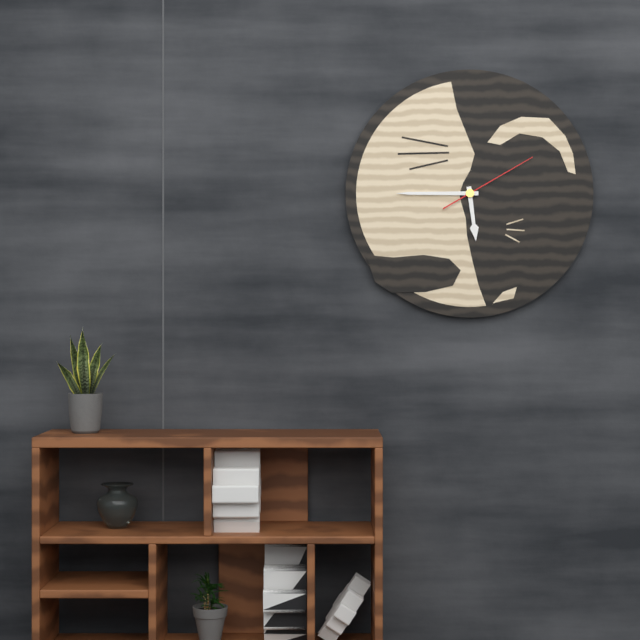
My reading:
{"hour": 5, "minute": 45, "second": 10}
